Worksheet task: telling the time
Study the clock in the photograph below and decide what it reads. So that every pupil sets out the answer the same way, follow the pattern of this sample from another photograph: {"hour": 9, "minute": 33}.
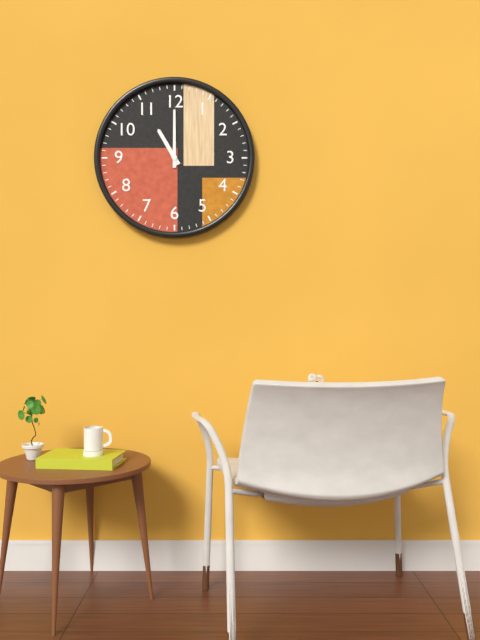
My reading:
{"hour": 11, "minute": 0}
